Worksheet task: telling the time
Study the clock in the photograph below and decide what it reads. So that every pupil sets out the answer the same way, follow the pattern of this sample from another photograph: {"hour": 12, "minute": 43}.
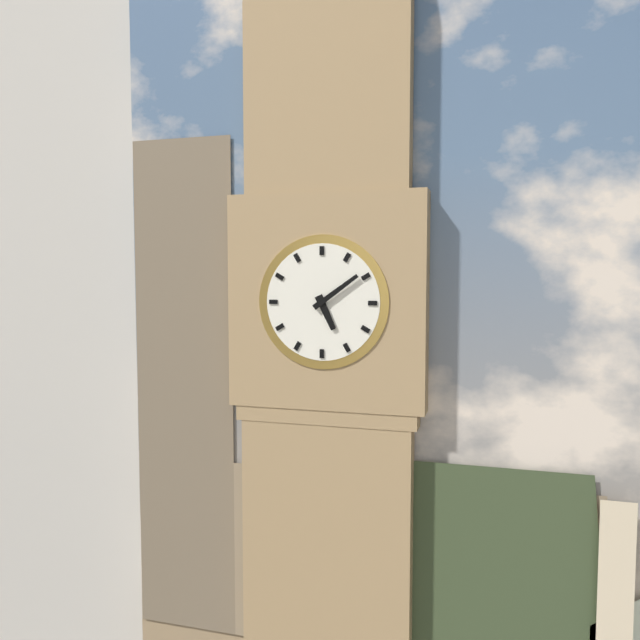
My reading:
{"hour": 5, "minute": 9}
